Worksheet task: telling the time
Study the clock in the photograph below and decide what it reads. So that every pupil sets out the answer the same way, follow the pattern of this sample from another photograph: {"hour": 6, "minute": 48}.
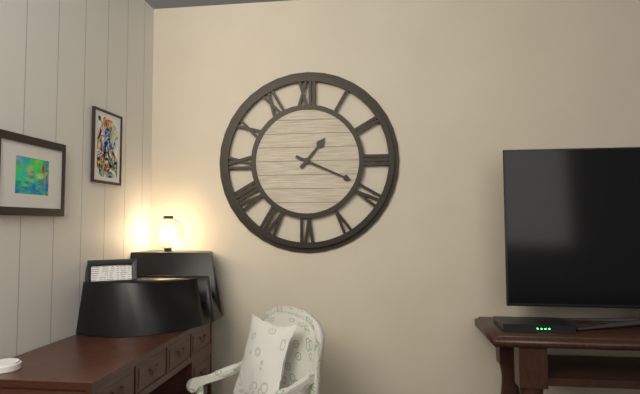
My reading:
{"hour": 1, "minute": 19}
